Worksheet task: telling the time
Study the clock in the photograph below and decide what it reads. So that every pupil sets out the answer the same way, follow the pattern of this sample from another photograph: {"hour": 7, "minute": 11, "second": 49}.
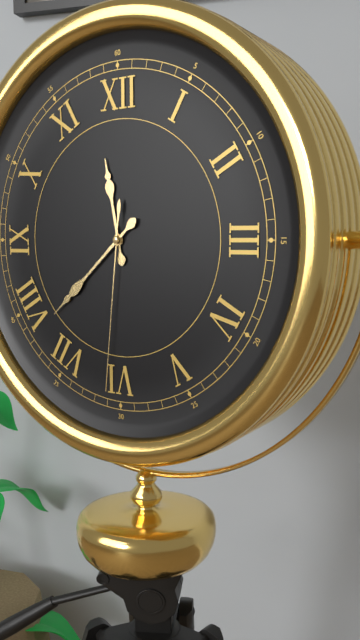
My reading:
{"hour": 11, "minute": 38, "second": 31}
